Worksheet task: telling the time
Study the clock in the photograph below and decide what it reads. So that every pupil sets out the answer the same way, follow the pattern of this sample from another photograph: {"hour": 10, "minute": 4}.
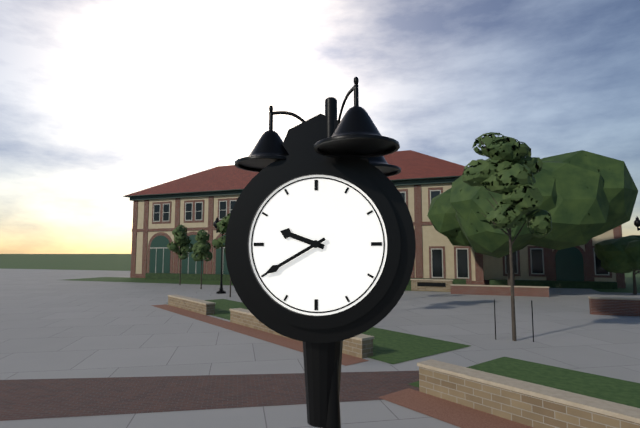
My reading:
{"hour": 9, "minute": 40}
